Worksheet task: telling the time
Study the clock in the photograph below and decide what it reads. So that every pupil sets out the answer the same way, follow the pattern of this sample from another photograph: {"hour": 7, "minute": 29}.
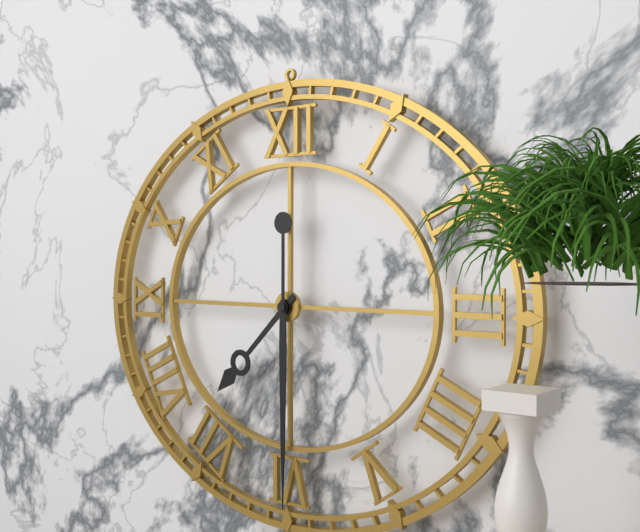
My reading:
{"hour": 7, "minute": 30}
